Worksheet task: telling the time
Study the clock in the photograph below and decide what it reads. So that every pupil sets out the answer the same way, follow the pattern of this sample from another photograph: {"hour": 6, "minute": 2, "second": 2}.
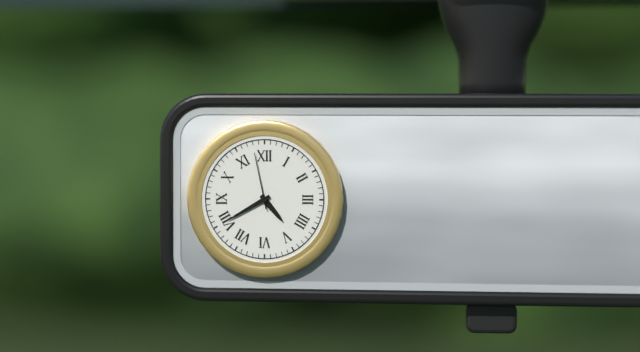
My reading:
{"hour": 4, "minute": 40, "second": 58}
